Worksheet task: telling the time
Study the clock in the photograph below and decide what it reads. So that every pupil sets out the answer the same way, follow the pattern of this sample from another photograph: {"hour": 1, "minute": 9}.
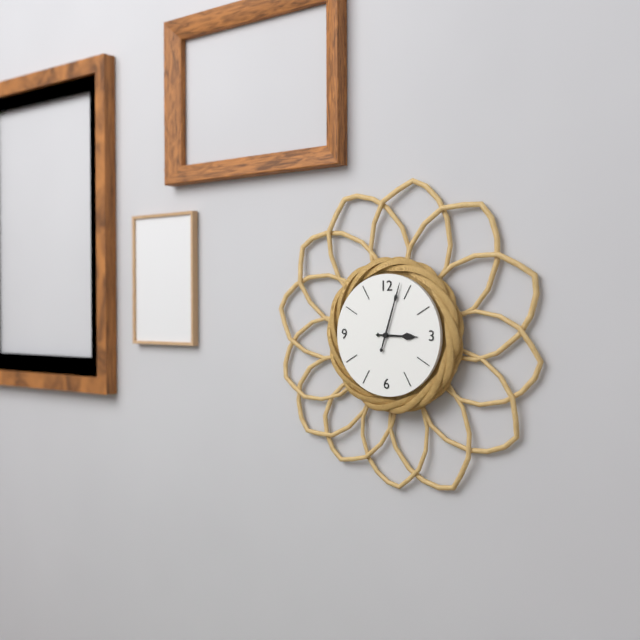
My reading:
{"hour": 3, "minute": 3}
